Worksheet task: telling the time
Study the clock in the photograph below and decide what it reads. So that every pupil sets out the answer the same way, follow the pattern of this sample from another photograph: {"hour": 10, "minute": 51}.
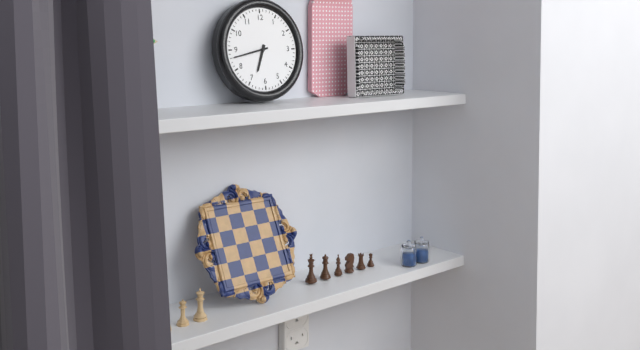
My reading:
{"hour": 6, "minute": 43}
